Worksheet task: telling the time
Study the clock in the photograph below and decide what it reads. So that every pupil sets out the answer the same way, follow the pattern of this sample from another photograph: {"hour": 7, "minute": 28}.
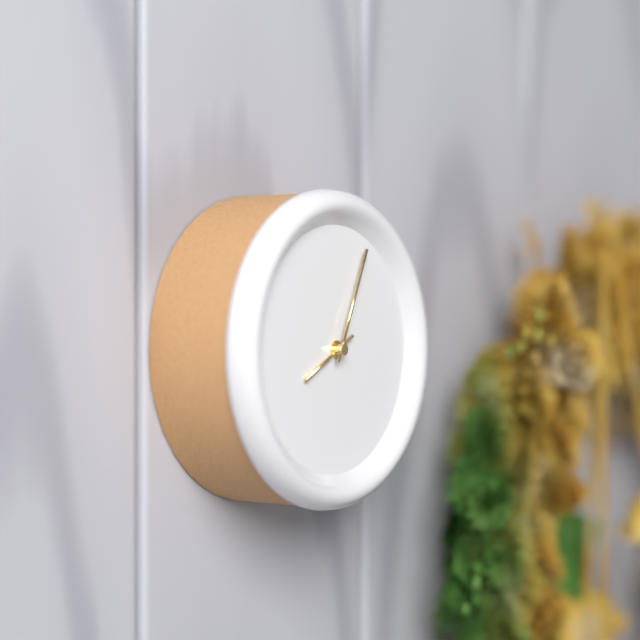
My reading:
{"hour": 8, "minute": 4}
